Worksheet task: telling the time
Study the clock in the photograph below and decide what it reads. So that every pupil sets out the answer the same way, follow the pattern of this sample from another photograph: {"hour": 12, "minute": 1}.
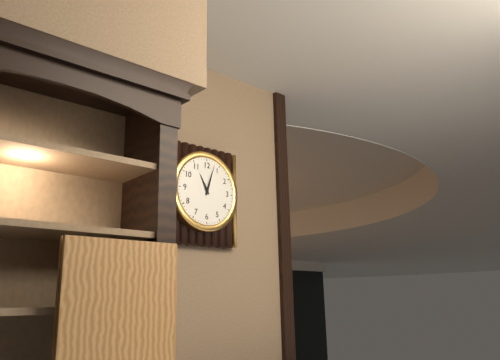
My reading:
{"hour": 11, "minute": 3}
